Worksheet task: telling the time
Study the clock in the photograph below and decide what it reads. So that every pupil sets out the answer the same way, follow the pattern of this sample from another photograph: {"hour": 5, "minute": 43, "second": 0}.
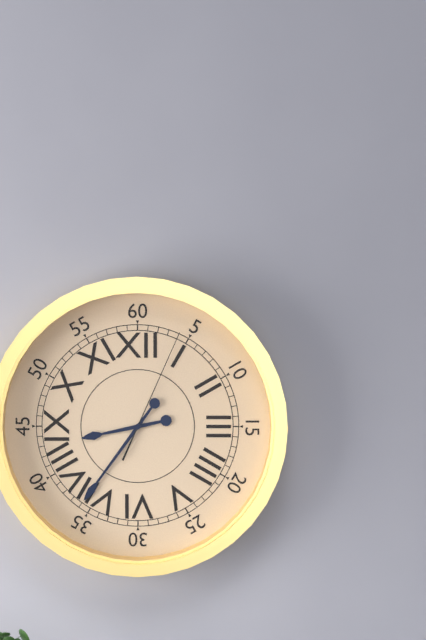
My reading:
{"hour": 8, "minute": 36, "second": 4}
